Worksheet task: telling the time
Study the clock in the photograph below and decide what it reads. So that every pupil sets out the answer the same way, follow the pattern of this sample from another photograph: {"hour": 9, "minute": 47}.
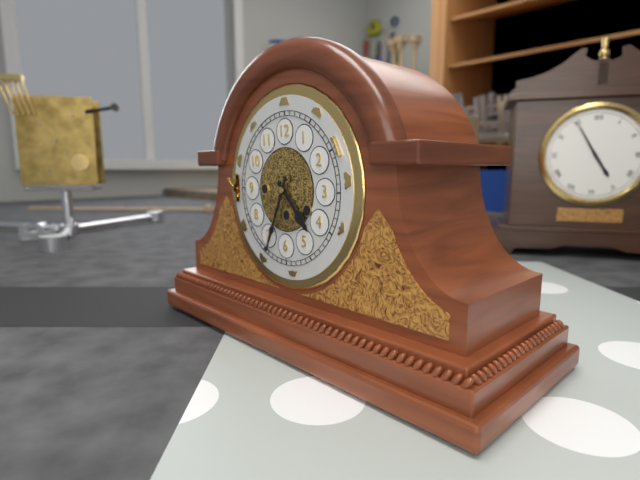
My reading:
{"hour": 4, "minute": 34}
